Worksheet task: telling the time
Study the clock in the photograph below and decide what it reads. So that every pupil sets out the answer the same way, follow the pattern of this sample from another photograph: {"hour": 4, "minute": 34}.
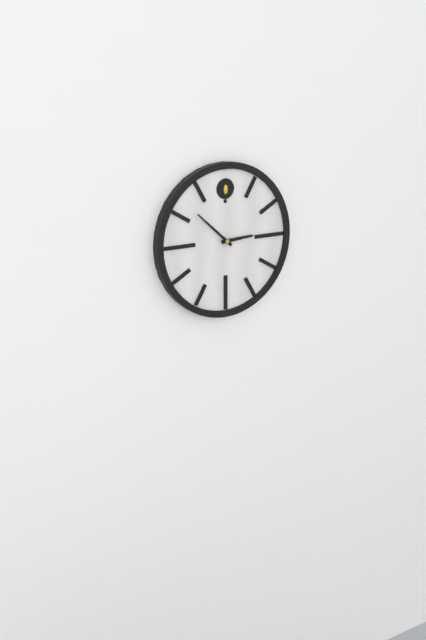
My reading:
{"hour": 2, "minute": 52}
